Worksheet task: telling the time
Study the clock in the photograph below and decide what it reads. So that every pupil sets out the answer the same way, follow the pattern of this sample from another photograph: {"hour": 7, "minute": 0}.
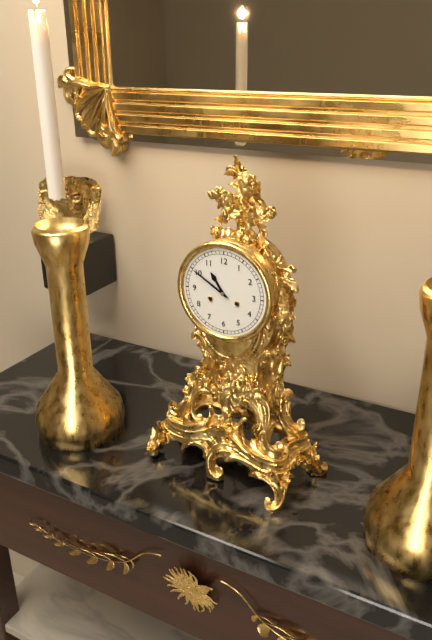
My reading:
{"hour": 10, "minute": 50}
